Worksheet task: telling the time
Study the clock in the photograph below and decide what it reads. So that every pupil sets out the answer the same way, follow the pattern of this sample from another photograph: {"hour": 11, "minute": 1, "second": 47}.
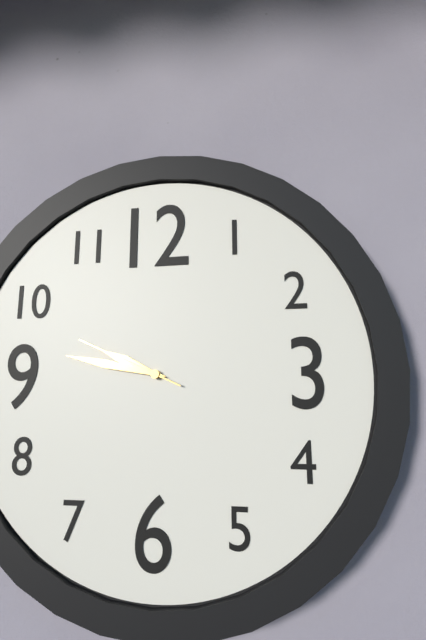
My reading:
{"hour": 9, "minute": 47, "second": 49}
